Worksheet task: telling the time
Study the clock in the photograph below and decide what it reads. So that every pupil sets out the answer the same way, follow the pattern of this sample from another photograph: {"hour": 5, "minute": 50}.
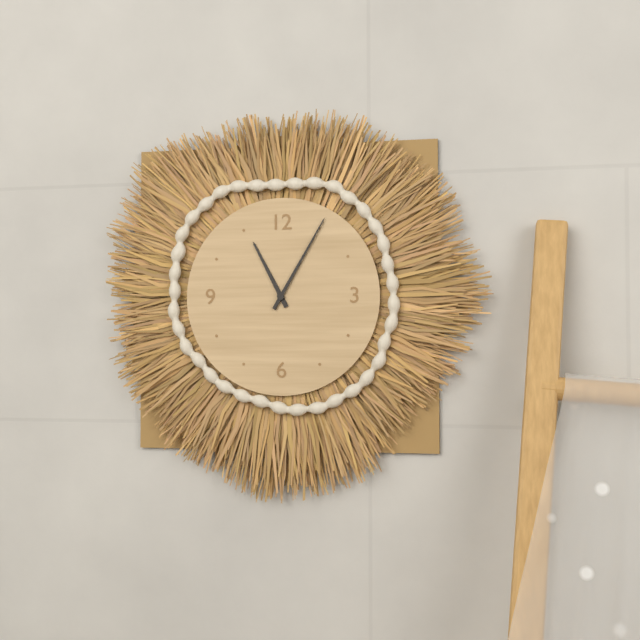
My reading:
{"hour": 11, "minute": 5}
